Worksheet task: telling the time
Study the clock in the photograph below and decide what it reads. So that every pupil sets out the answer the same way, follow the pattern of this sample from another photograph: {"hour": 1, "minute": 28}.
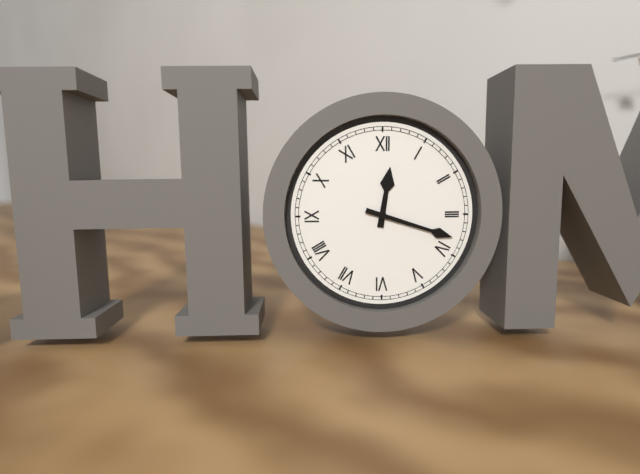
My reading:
{"hour": 12, "minute": 18}
